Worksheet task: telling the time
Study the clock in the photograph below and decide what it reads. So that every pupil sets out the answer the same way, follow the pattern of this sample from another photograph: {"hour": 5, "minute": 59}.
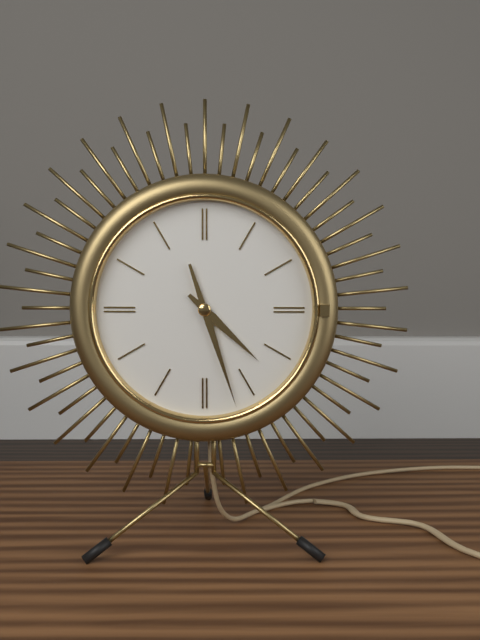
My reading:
{"hour": 4, "minute": 27}
